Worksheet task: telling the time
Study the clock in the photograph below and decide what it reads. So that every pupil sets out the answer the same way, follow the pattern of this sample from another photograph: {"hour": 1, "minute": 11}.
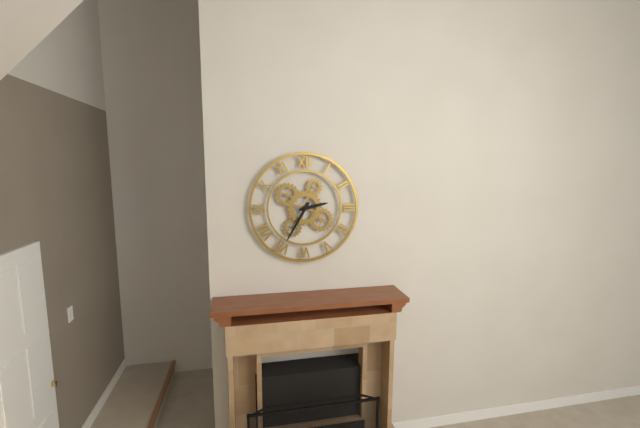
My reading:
{"hour": 2, "minute": 35}
